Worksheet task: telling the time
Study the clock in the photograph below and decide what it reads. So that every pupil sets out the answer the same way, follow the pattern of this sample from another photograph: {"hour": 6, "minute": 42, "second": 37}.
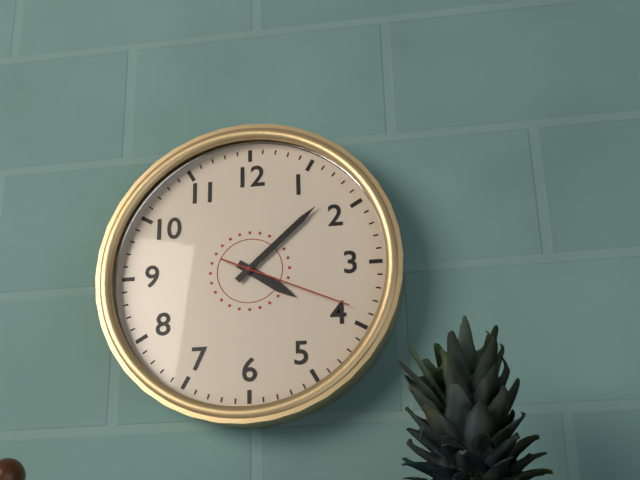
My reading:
{"hour": 4, "minute": 8, "second": 19}
